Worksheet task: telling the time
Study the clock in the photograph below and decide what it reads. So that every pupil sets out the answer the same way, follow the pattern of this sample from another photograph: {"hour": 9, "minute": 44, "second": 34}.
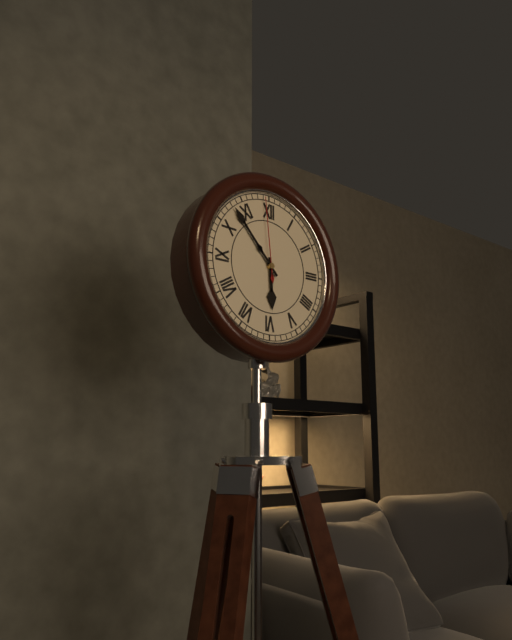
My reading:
{"hour": 5, "minute": 53, "second": 59}
